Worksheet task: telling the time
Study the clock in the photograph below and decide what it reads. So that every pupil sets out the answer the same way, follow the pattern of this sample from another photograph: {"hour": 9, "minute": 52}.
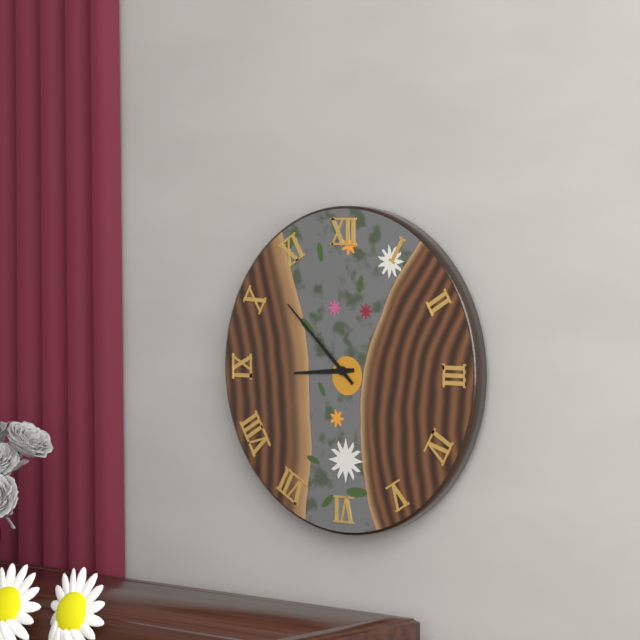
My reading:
{"hour": 8, "minute": 52}
